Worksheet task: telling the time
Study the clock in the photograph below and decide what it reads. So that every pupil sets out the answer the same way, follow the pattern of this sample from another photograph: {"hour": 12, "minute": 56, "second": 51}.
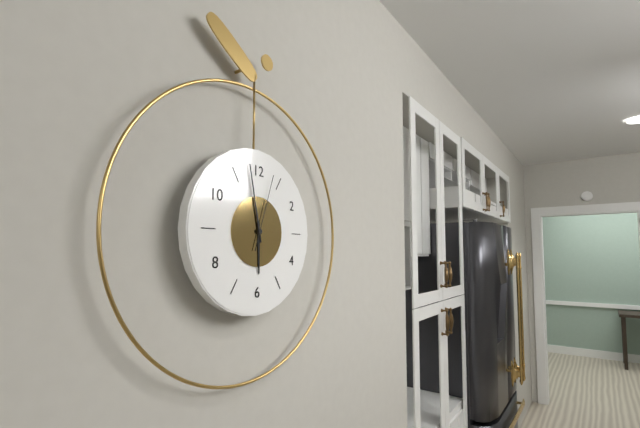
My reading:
{"hour": 5, "minute": 58, "second": 3}
